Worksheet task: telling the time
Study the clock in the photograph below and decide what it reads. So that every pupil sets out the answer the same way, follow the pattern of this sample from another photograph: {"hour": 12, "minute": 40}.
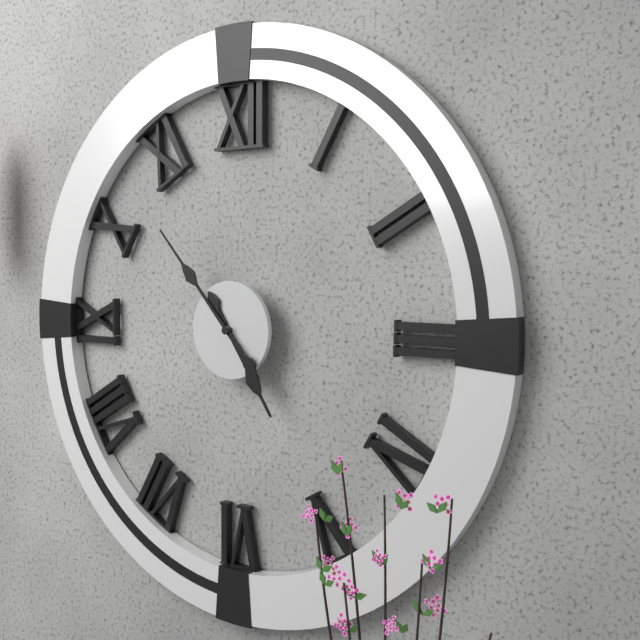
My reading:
{"hour": 4, "minute": 53}
